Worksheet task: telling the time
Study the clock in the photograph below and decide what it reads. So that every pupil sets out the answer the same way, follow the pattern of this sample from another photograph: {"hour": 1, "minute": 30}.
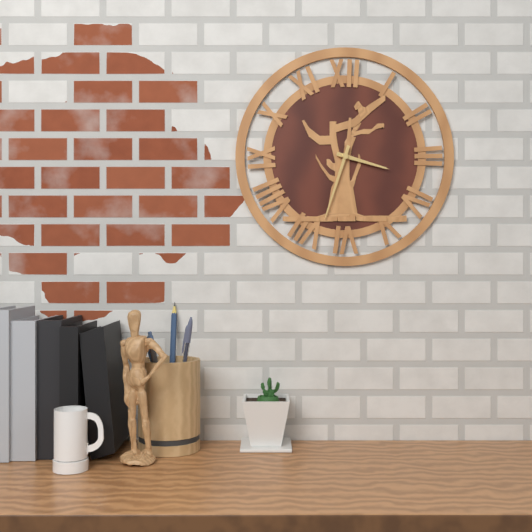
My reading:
{"hour": 3, "minute": 33}
